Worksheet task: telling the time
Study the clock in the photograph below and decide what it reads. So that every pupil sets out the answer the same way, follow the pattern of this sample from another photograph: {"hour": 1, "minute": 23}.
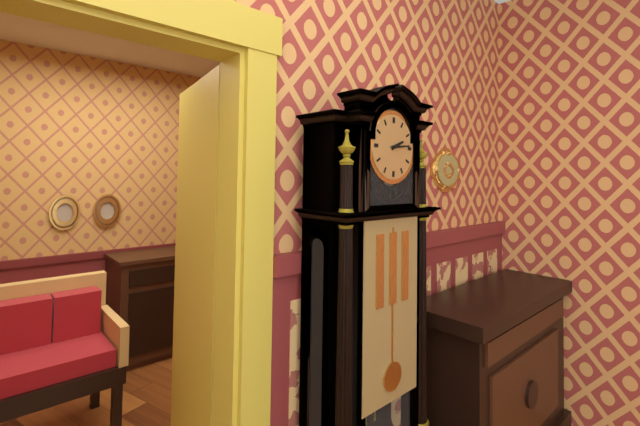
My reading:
{"hour": 2, "minute": 14}
